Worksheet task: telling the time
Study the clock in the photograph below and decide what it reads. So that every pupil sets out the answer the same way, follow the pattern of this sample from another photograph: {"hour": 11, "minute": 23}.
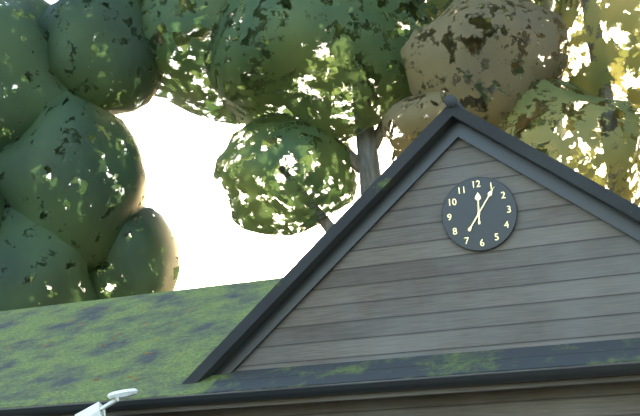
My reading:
{"hour": 12, "minute": 6}
